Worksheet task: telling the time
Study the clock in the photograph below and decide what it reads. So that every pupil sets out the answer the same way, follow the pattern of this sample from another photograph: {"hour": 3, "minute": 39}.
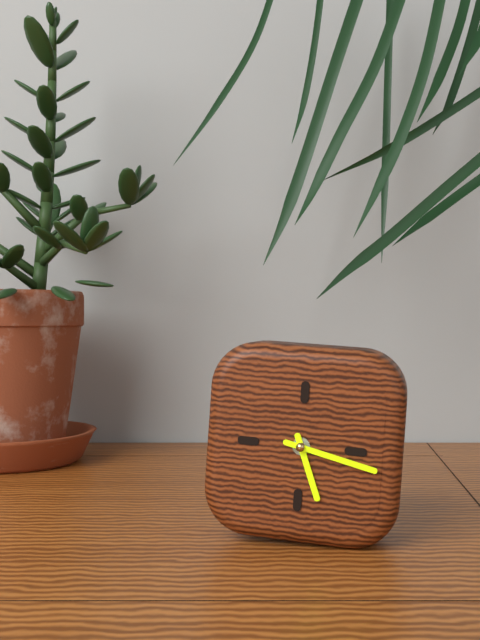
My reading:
{"hour": 5, "minute": 17}
